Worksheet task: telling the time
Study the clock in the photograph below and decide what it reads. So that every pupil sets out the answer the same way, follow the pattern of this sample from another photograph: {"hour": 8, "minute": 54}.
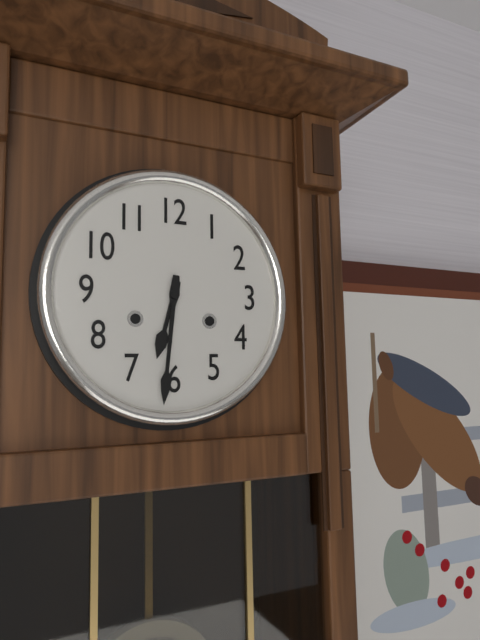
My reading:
{"hour": 6, "minute": 31}
